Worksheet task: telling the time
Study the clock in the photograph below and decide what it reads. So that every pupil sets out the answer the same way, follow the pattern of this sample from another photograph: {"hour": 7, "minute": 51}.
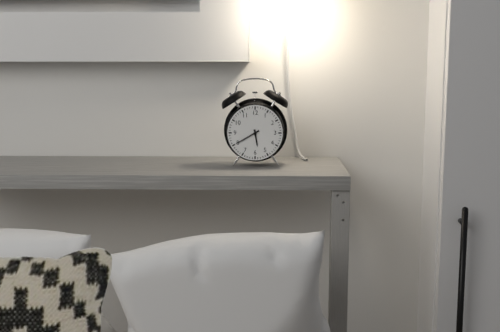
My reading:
{"hour": 5, "minute": 40}
